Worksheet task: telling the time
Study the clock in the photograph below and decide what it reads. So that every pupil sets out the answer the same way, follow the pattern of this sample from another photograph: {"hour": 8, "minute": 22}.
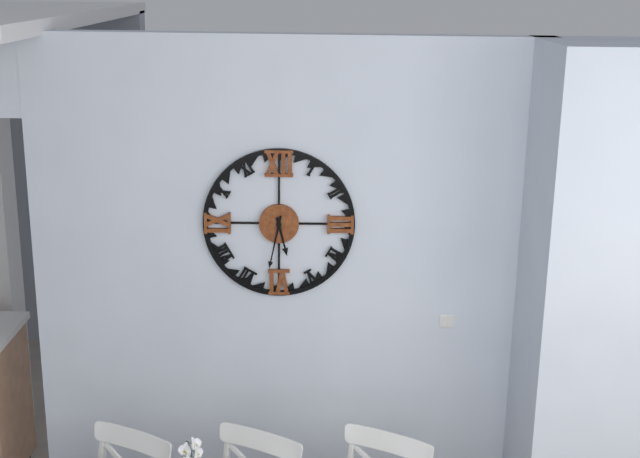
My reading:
{"hour": 5, "minute": 32}
